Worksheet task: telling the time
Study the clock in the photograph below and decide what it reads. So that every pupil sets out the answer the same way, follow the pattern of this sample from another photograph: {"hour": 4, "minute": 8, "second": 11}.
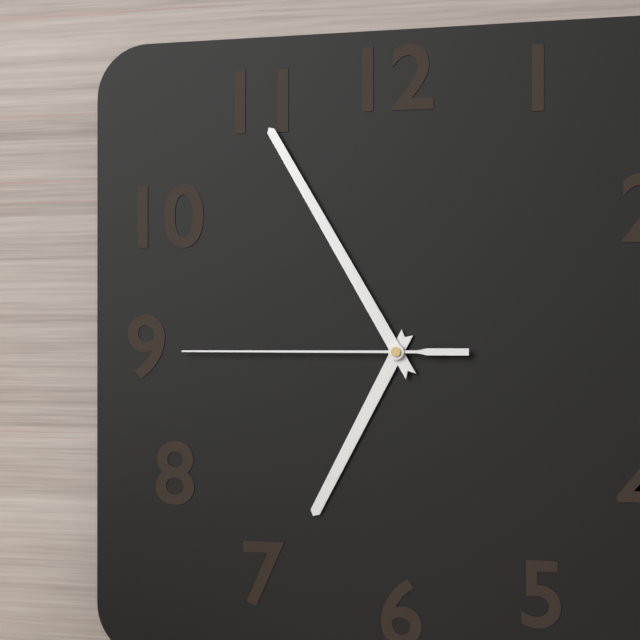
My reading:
{"hour": 6, "minute": 55, "second": 45}
